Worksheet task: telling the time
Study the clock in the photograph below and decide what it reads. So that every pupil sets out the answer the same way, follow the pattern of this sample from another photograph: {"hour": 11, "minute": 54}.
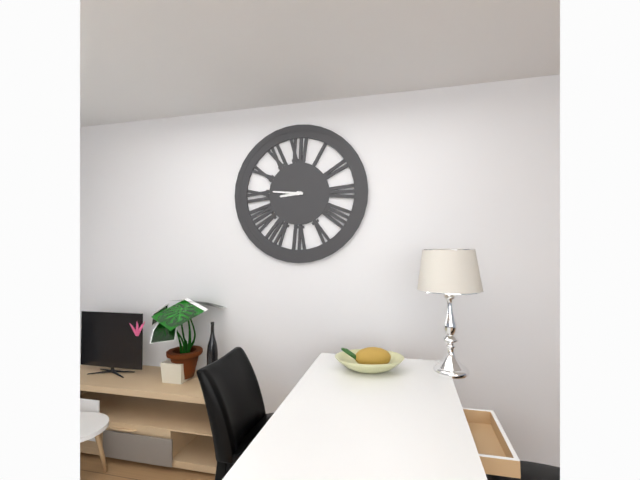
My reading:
{"hour": 8, "minute": 46}
